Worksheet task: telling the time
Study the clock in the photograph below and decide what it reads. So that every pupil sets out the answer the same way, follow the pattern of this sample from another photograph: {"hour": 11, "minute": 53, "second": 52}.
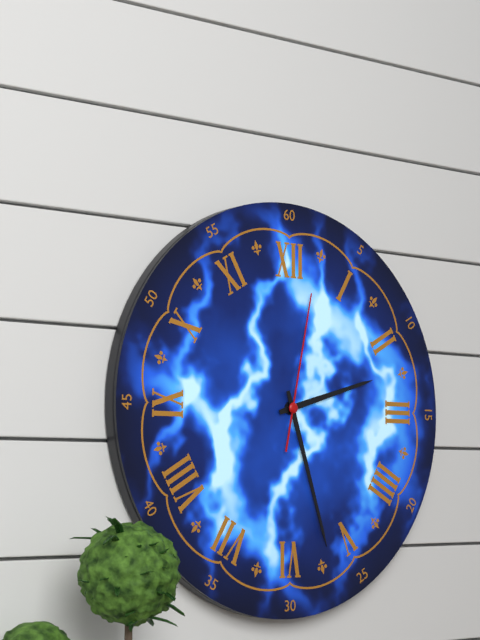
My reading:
{"hour": 2, "minute": 27, "second": 2}
